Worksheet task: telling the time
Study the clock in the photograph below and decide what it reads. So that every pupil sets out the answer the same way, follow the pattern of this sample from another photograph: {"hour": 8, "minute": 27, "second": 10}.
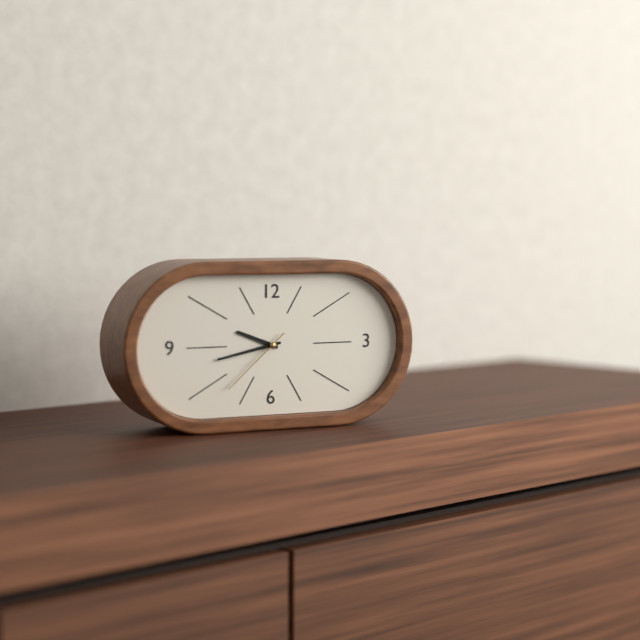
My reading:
{"hour": 9, "minute": 43, "second": 38}
